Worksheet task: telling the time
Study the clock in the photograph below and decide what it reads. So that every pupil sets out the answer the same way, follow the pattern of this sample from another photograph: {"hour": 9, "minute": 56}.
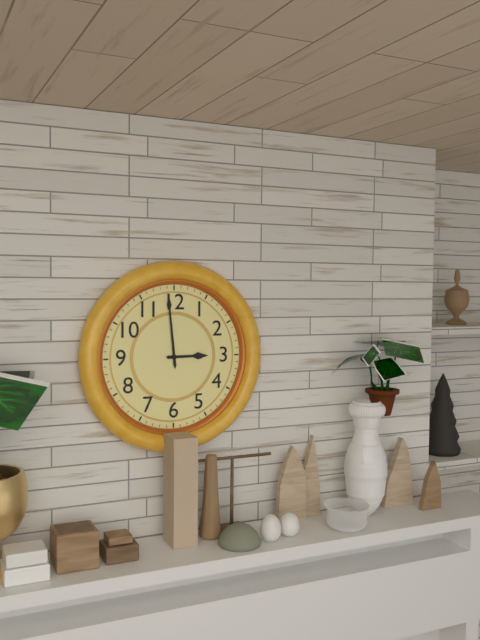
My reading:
{"hour": 2, "minute": 59}
